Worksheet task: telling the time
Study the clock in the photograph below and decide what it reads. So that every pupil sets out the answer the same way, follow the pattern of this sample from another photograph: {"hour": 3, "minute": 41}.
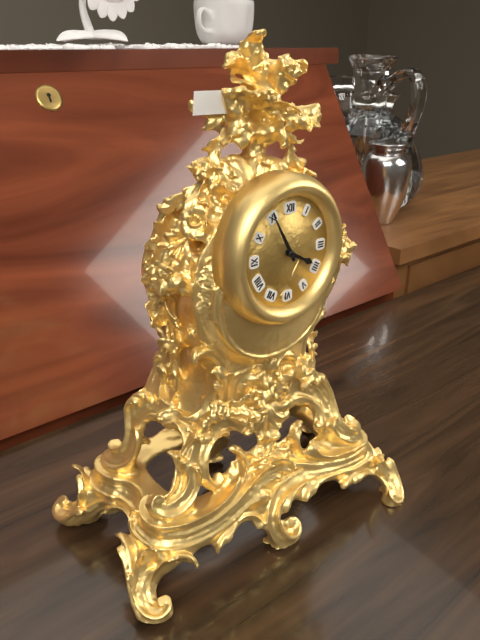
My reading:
{"hour": 3, "minute": 55}
